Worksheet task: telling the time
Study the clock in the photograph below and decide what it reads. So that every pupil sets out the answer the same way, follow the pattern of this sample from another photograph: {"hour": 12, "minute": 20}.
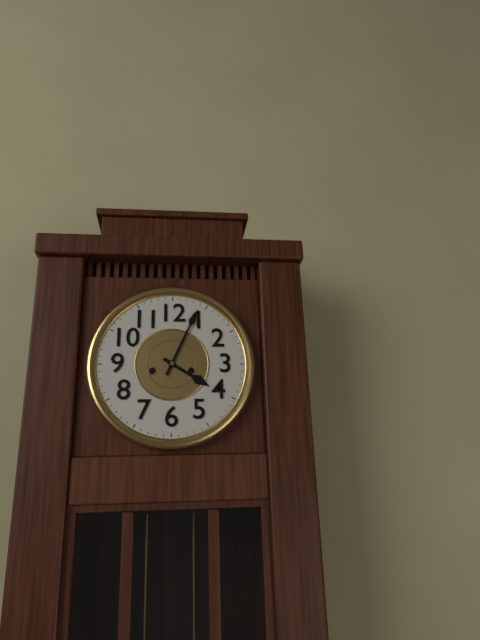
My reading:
{"hour": 4, "minute": 4}
